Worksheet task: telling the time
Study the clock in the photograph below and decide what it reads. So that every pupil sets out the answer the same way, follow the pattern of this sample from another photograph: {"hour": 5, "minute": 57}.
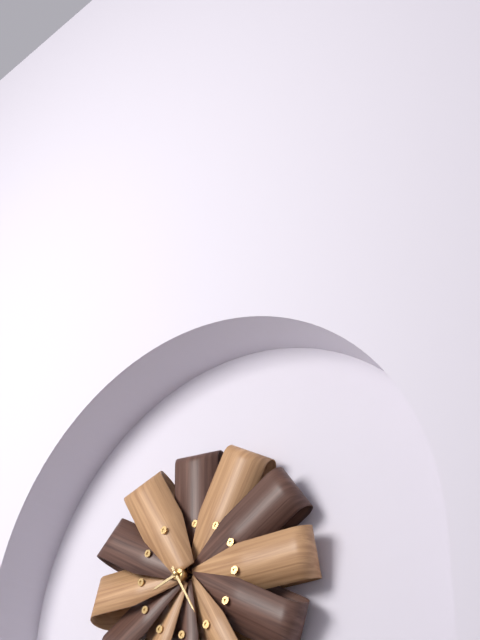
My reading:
{"hour": 8, "minute": 25}
